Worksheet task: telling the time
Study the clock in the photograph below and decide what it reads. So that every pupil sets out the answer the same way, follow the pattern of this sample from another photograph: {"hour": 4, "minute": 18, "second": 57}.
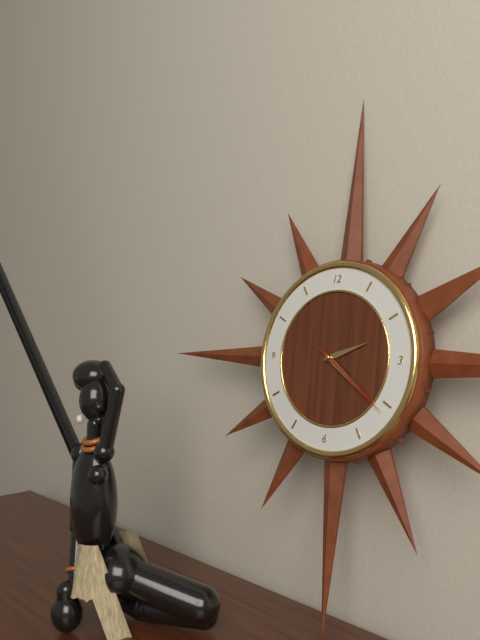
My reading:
{"hour": 2, "minute": 21, "second": 21}
